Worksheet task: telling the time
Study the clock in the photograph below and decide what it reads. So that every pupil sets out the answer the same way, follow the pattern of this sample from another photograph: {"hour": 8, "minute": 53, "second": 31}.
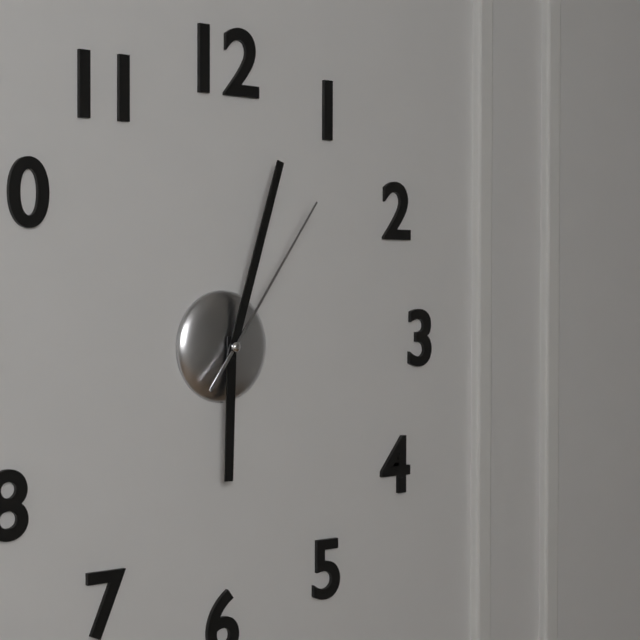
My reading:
{"hour": 6, "minute": 3, "second": 6}
